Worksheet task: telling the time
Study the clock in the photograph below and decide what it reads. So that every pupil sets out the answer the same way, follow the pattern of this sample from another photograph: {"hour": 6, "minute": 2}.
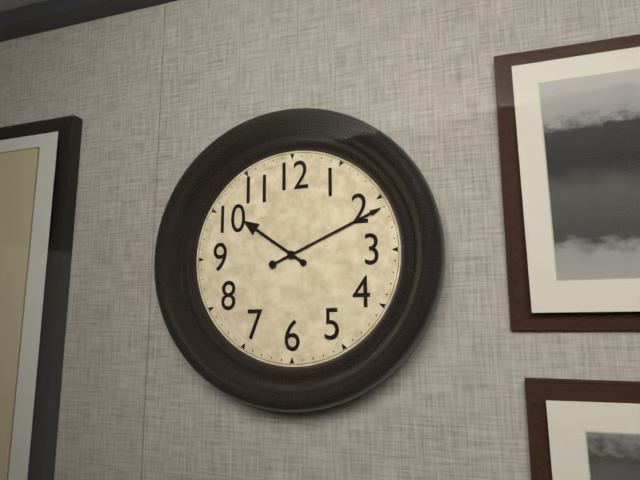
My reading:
{"hour": 10, "minute": 11}
